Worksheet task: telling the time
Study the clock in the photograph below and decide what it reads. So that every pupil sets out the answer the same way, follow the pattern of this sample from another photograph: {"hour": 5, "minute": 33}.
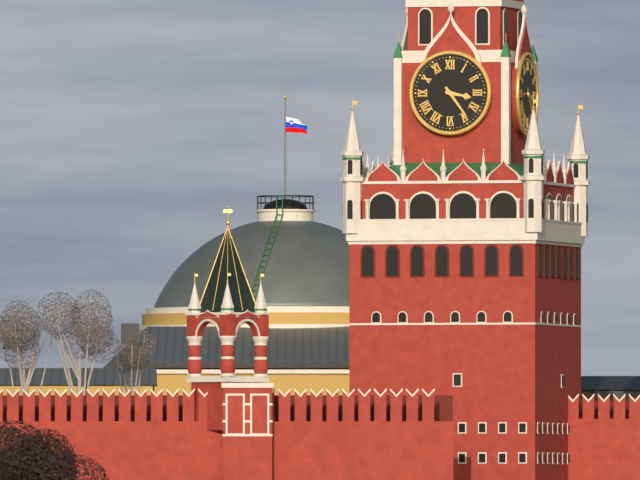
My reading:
{"hour": 3, "minute": 24}
